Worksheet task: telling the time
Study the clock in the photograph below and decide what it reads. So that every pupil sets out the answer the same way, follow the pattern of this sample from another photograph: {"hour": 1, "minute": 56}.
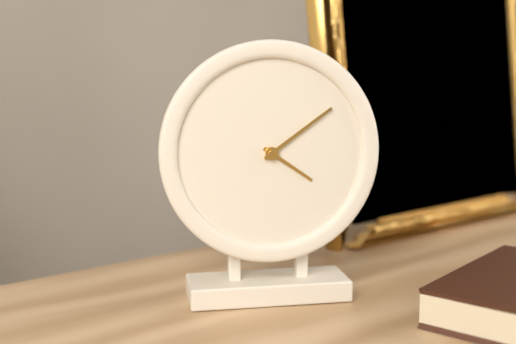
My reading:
{"hour": 4, "minute": 9}
